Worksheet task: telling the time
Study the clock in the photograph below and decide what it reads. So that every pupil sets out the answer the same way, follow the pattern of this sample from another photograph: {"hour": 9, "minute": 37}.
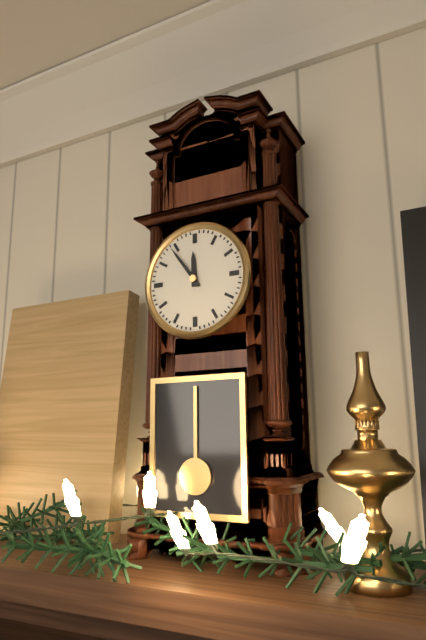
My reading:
{"hour": 11, "minute": 54}
